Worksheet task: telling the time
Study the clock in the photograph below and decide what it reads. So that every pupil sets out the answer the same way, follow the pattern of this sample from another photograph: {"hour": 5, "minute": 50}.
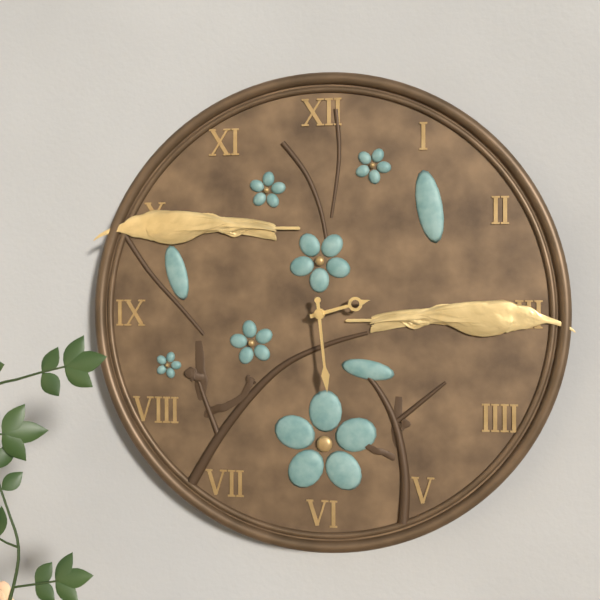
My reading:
{"hour": 2, "minute": 29}
